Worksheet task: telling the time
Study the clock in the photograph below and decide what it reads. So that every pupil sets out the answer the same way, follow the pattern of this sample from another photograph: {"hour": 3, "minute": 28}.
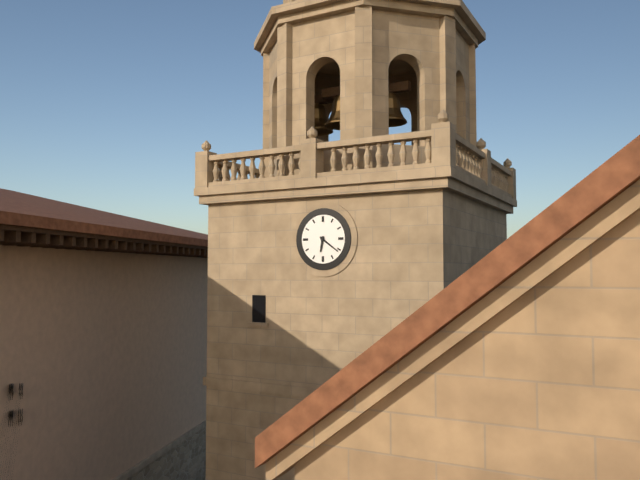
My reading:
{"hour": 6, "minute": 21}
